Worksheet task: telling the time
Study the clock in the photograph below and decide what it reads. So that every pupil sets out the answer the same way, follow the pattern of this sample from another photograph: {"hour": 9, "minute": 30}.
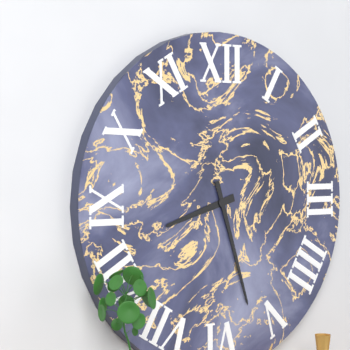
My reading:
{"hour": 8, "minute": 27}
